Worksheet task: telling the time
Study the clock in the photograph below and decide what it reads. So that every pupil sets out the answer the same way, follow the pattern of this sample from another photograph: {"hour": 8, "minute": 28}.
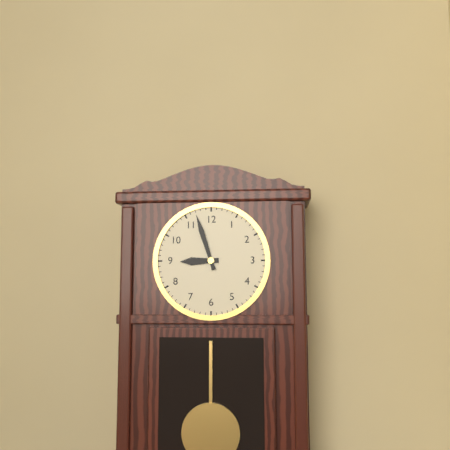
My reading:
{"hour": 8, "minute": 57}
